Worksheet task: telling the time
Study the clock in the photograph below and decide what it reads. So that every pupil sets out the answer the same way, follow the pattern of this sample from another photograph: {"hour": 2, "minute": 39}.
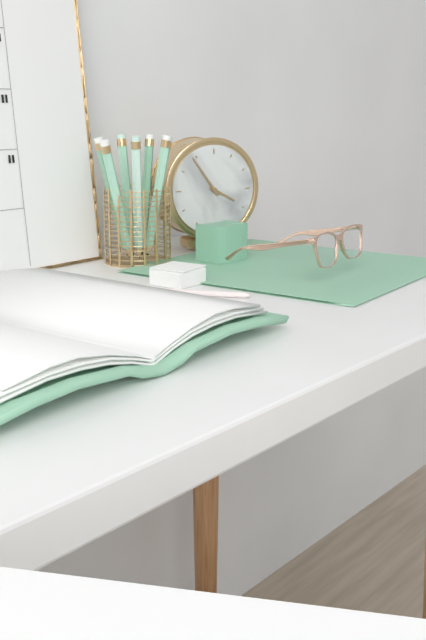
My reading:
{"hour": 3, "minute": 54}
